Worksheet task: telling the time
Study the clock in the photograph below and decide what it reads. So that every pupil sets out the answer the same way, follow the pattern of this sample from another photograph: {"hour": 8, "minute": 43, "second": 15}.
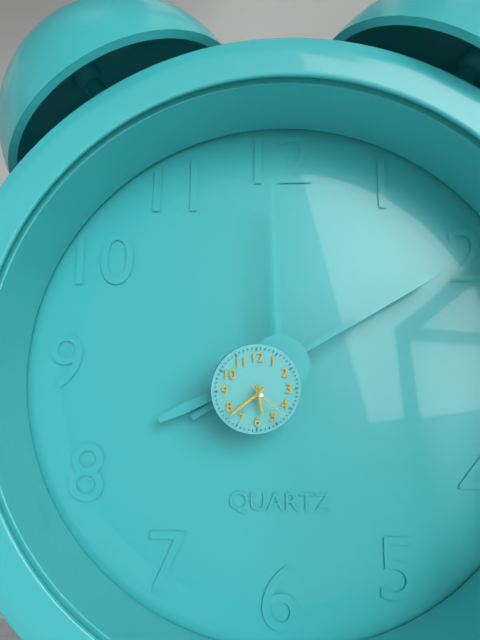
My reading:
{"hour": 5, "minute": 39, "second": 22}
